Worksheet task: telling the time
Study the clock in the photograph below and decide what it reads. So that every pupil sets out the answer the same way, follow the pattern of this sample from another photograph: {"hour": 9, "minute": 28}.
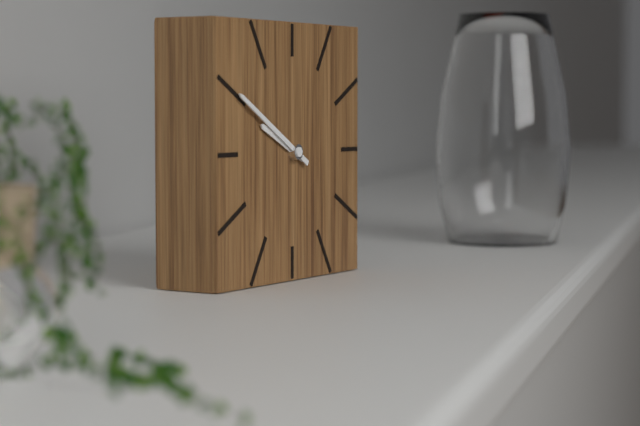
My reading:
{"hour": 9, "minute": 50}
